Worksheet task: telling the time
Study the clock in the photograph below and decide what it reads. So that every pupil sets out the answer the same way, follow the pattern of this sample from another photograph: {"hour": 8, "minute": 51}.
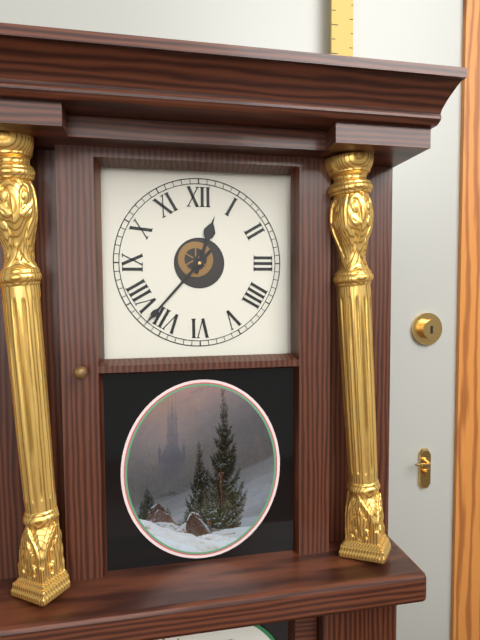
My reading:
{"hour": 12, "minute": 37}
